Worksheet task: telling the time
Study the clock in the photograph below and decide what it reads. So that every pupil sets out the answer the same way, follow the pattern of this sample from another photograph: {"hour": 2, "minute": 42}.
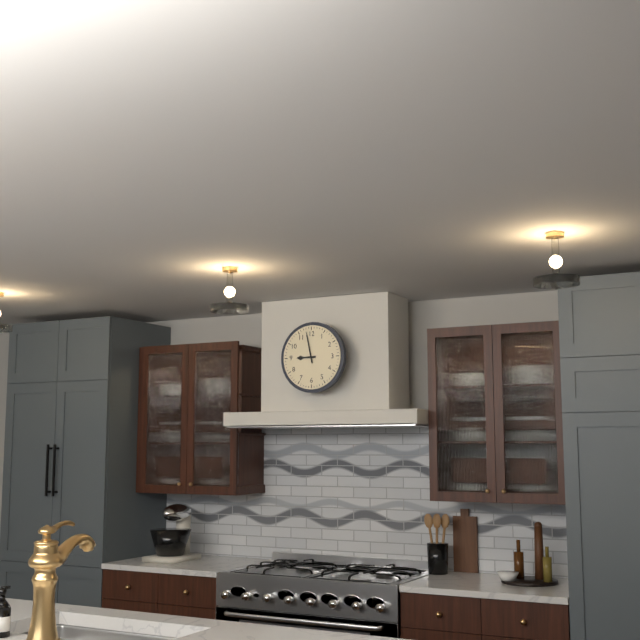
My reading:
{"hour": 8, "minute": 58}
